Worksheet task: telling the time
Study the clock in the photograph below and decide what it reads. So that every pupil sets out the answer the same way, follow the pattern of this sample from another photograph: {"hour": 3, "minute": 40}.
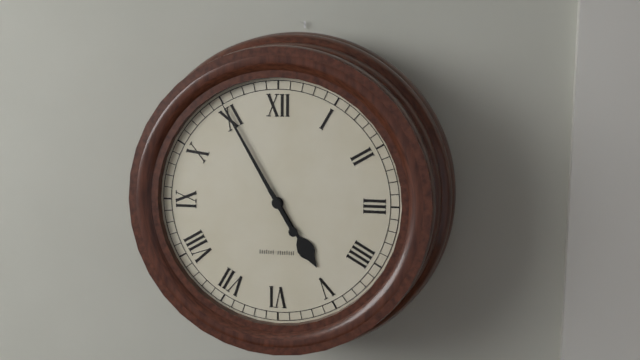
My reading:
{"hour": 4, "minute": 55}
